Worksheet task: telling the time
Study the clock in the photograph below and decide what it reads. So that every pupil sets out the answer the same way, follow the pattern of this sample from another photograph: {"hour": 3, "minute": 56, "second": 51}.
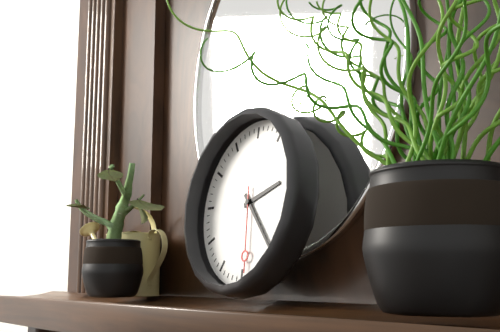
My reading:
{"hour": 2, "minute": 23, "second": 29}
